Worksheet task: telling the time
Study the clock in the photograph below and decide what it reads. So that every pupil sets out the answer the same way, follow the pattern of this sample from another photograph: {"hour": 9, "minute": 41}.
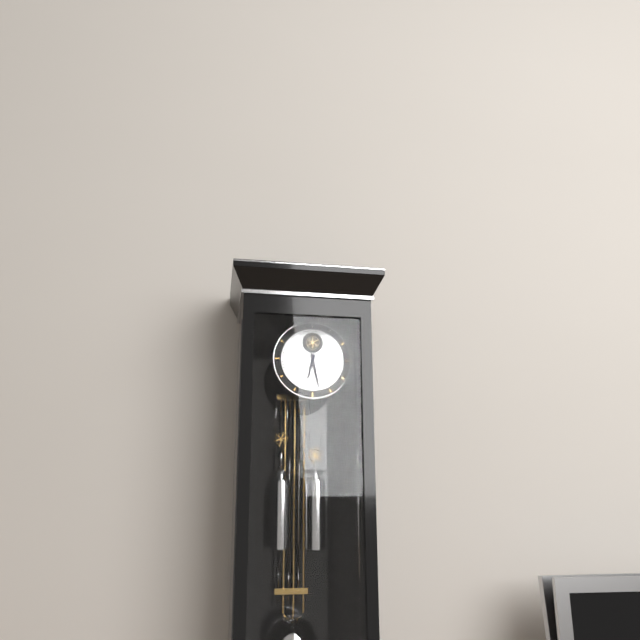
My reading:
{"hour": 6, "minute": 28}
